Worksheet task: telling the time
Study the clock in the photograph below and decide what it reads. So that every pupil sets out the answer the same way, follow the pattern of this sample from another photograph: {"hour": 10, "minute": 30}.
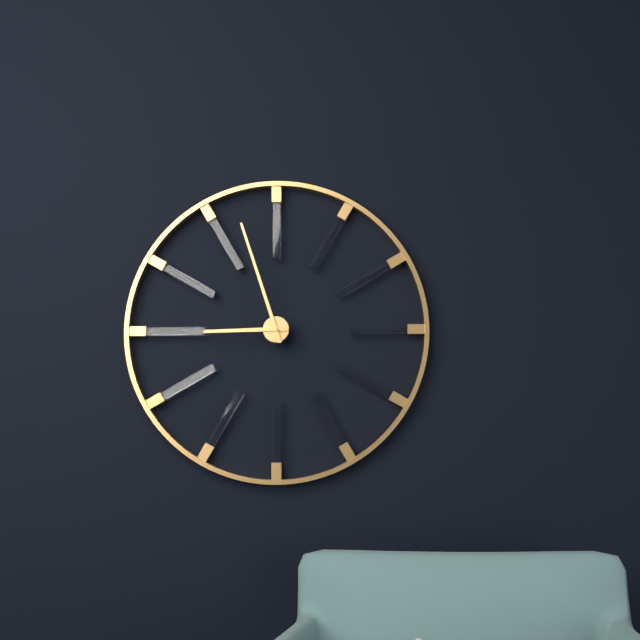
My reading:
{"hour": 8, "minute": 57}
